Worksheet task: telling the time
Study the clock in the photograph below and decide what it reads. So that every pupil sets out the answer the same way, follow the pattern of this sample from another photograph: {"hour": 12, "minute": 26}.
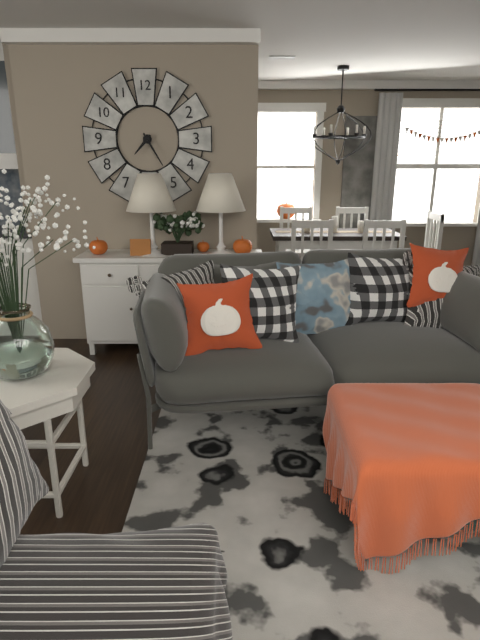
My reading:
{"hour": 7, "minute": 25}
